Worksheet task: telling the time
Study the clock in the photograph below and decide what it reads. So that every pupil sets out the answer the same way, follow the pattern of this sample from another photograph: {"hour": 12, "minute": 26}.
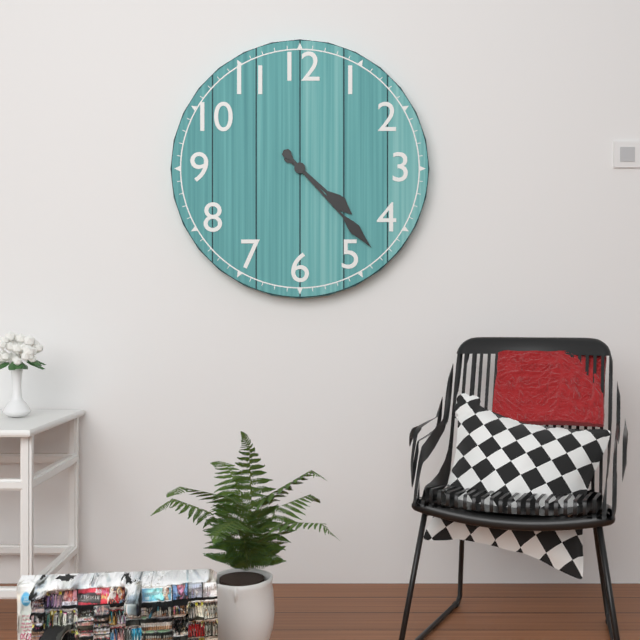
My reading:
{"hour": 4, "minute": 23}
